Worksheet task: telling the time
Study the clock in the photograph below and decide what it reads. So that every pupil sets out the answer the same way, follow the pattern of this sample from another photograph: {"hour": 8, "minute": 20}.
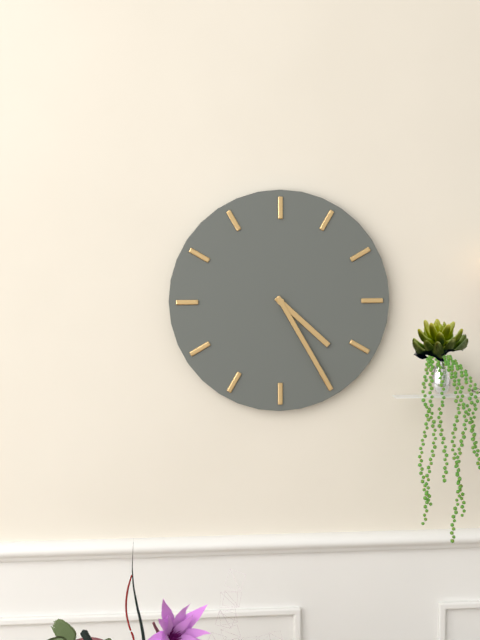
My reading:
{"hour": 4, "minute": 25}
